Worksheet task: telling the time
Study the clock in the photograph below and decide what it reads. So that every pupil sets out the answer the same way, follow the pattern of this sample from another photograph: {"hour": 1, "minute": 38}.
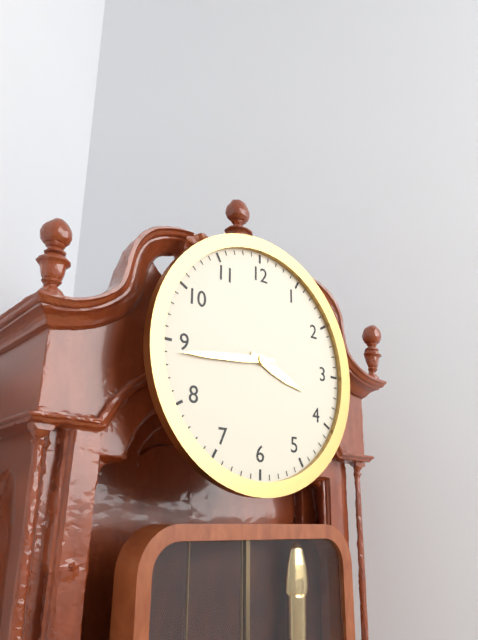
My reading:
{"hour": 3, "minute": 44}
